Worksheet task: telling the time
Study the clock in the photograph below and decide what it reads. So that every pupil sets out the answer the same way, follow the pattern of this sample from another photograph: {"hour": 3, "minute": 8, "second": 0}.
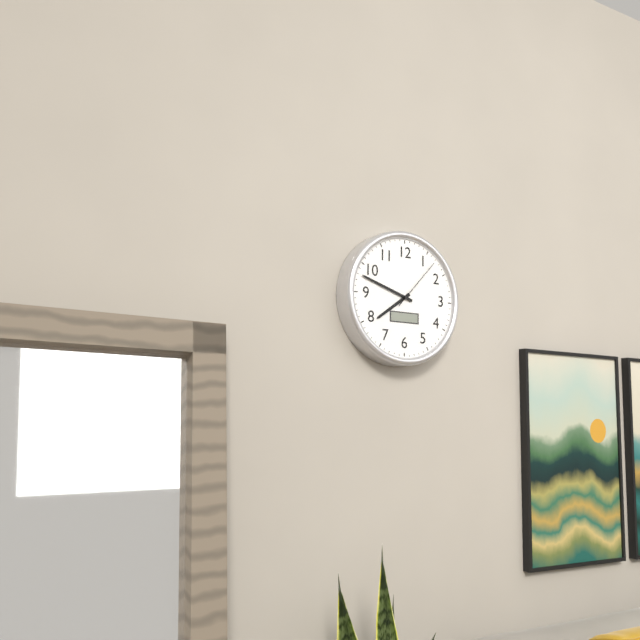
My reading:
{"hour": 7, "minute": 48, "second": 7}
